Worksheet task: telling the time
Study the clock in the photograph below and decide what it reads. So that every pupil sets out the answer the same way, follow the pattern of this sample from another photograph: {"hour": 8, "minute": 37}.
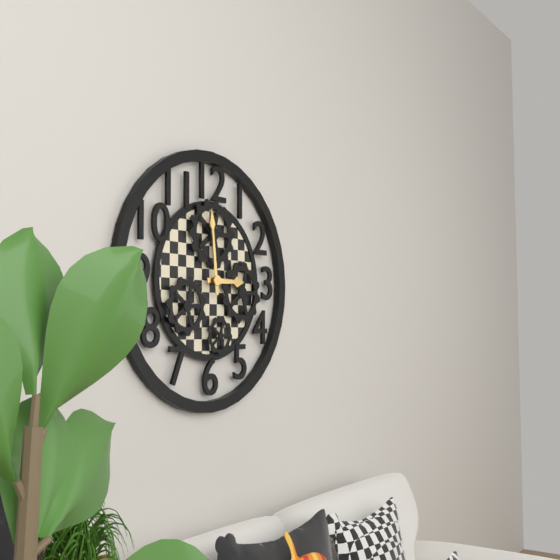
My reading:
{"hour": 2, "minute": 59}
